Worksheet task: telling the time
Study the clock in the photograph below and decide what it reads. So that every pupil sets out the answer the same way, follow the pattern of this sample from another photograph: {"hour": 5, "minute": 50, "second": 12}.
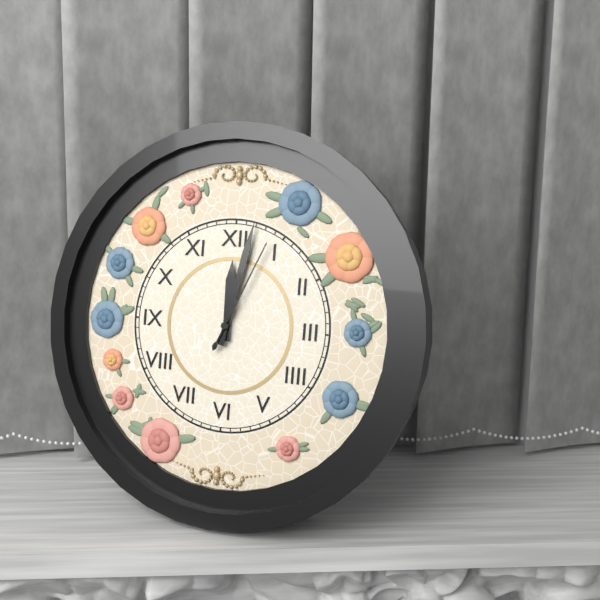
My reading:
{"hour": 12, "minute": 2, "second": 4}
